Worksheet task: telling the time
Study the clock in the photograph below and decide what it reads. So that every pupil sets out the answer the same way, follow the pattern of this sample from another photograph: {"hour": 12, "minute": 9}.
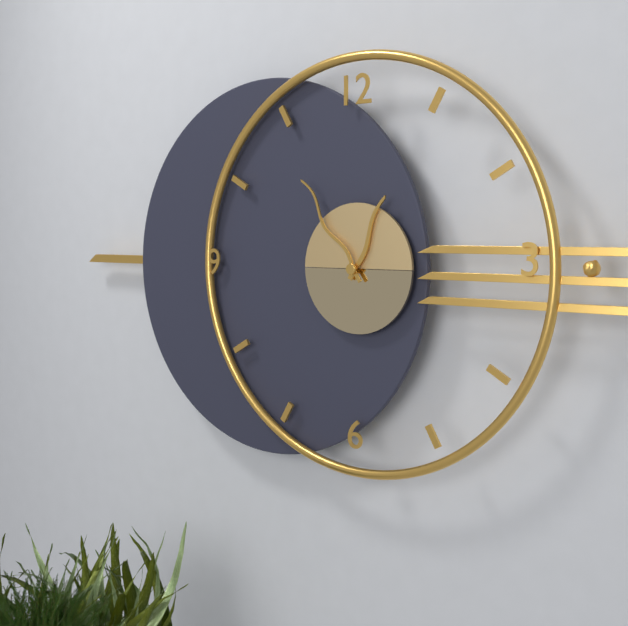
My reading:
{"hour": 12, "minute": 54}
